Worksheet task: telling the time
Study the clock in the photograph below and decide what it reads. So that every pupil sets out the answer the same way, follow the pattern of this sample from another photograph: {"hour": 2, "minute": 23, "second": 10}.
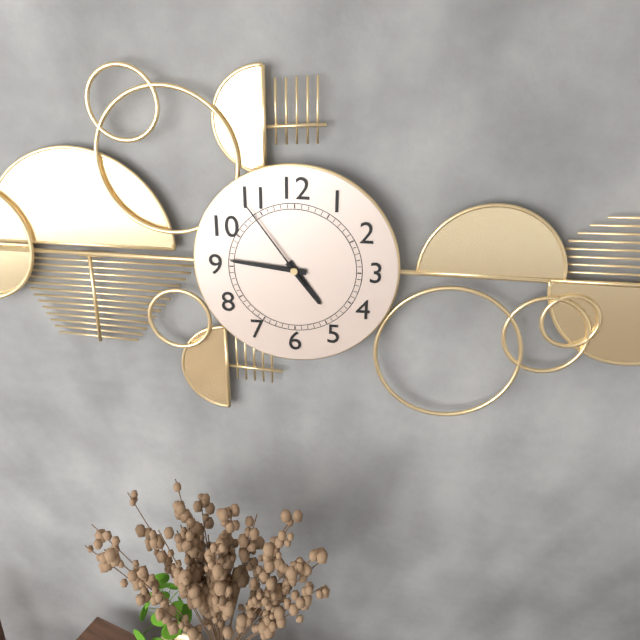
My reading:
{"hour": 4, "minute": 46, "second": 54}
